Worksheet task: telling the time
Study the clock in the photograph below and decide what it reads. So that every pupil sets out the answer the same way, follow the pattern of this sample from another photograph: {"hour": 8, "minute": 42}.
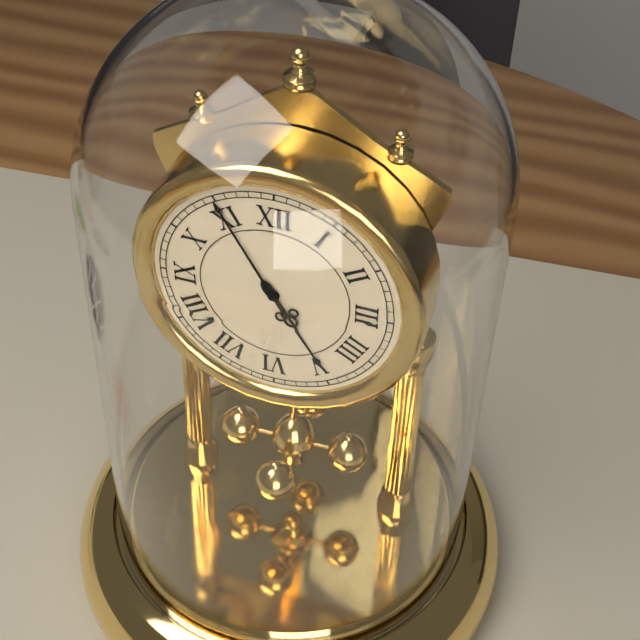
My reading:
{"hour": 4, "minute": 55}
